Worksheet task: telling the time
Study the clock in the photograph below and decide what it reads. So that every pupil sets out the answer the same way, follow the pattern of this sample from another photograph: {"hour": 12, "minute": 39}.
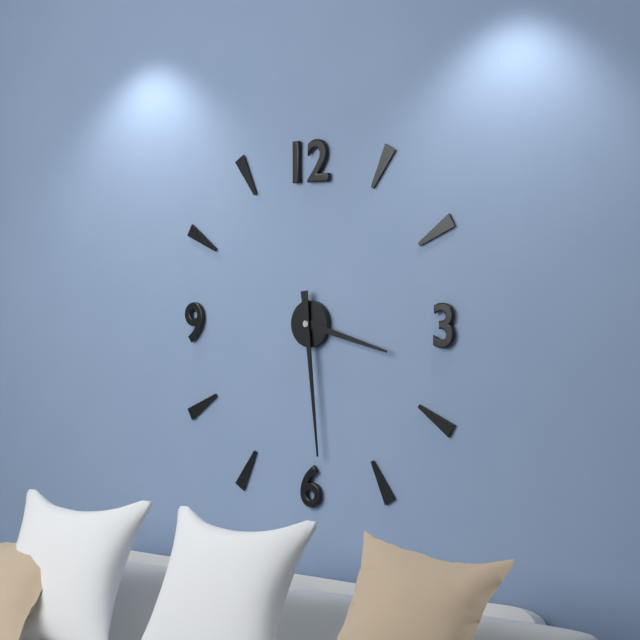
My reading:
{"hour": 3, "minute": 29}
